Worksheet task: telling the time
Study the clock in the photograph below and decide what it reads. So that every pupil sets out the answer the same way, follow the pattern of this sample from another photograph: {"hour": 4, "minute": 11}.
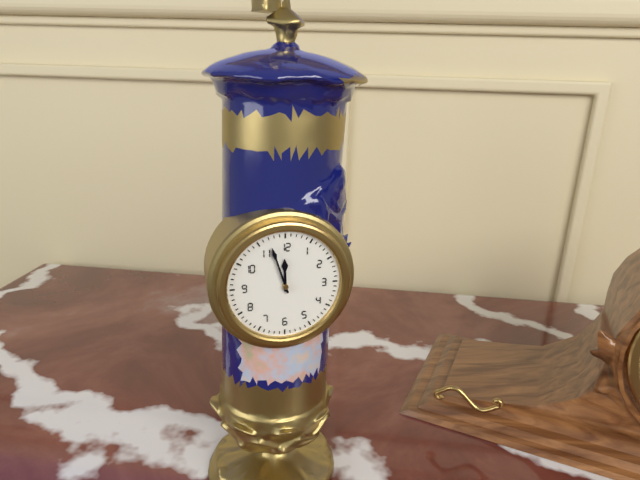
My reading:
{"hour": 11, "minute": 57}
